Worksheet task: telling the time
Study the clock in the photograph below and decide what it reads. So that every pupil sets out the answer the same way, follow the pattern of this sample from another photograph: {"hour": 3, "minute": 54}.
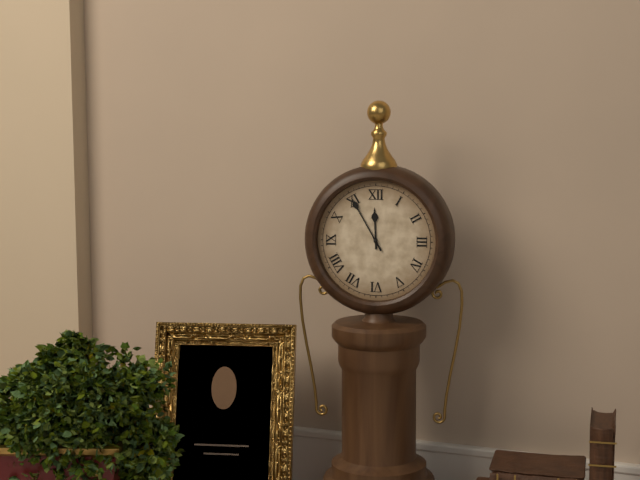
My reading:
{"hour": 11, "minute": 55}
